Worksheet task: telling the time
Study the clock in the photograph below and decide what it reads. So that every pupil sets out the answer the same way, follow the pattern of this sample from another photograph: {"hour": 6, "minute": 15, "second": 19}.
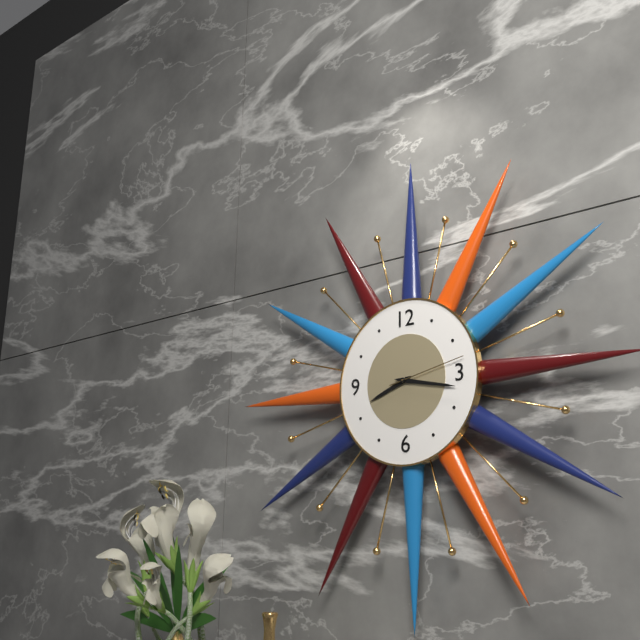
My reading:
{"hour": 8, "minute": 17, "second": 13}
